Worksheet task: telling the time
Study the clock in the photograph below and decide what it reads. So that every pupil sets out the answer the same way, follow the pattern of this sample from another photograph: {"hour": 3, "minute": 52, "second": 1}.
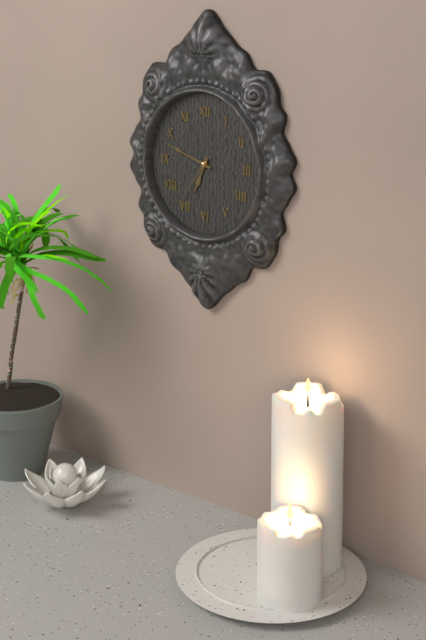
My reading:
{"hour": 6, "minute": 48, "second": 36}
